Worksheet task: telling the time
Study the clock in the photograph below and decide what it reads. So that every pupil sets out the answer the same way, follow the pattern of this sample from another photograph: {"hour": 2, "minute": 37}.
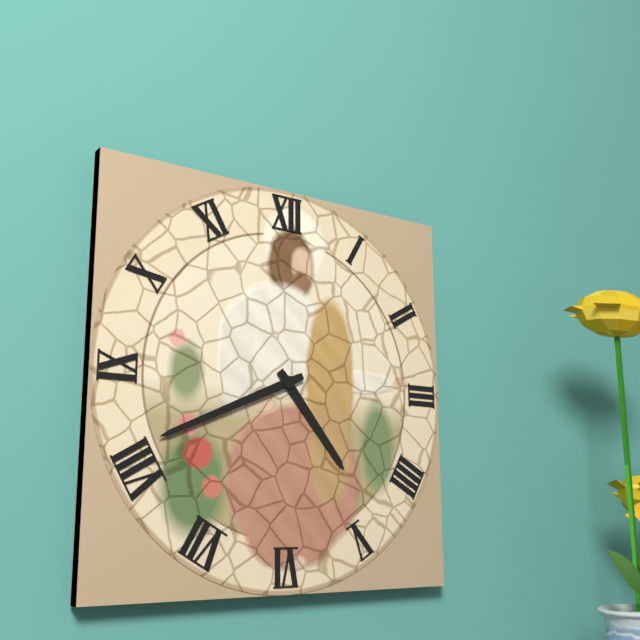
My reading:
{"hour": 4, "minute": 41}
